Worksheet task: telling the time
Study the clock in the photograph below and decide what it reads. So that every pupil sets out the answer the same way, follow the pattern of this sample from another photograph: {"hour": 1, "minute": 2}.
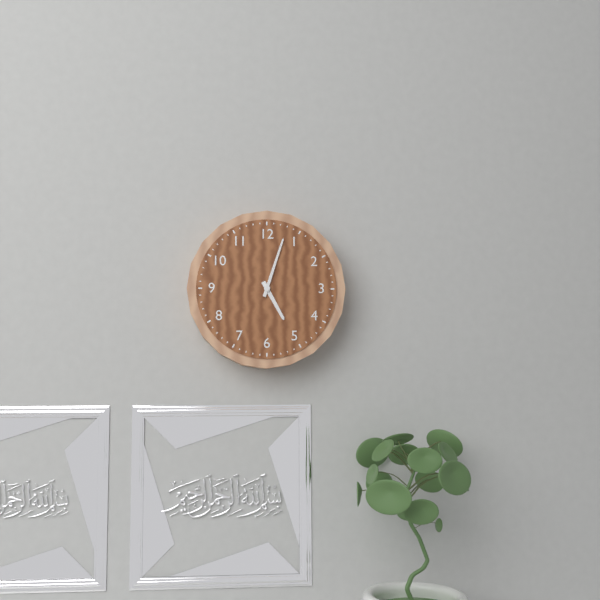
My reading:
{"hour": 5, "minute": 3}
